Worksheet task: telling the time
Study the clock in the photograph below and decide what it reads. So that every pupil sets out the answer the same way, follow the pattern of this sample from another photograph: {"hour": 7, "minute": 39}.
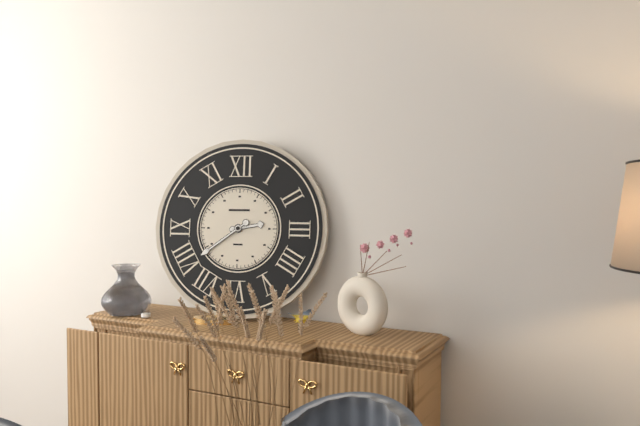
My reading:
{"hour": 2, "minute": 39}
